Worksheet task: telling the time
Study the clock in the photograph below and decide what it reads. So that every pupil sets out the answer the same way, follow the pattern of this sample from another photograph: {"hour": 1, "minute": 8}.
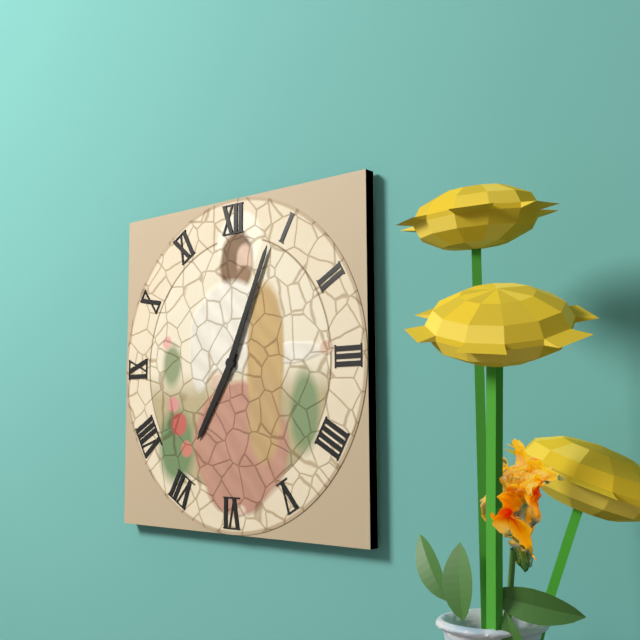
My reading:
{"hour": 7, "minute": 4}
